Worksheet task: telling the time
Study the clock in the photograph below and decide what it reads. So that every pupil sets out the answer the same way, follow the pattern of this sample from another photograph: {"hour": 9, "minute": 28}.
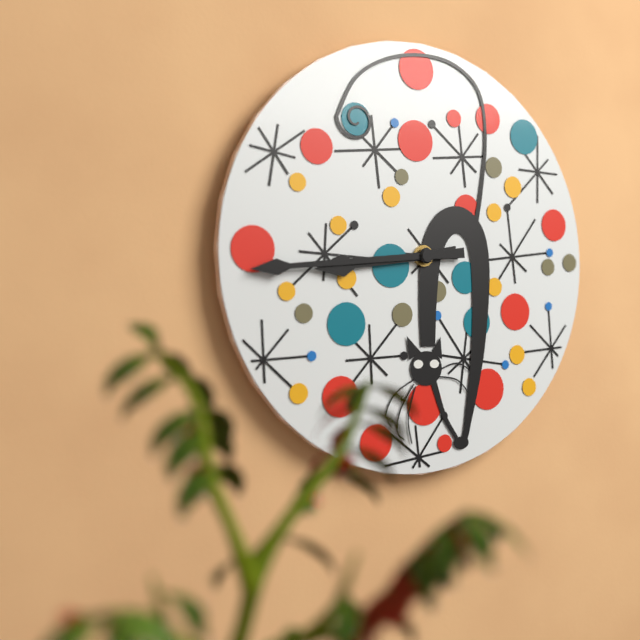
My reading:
{"hour": 8, "minute": 44}
